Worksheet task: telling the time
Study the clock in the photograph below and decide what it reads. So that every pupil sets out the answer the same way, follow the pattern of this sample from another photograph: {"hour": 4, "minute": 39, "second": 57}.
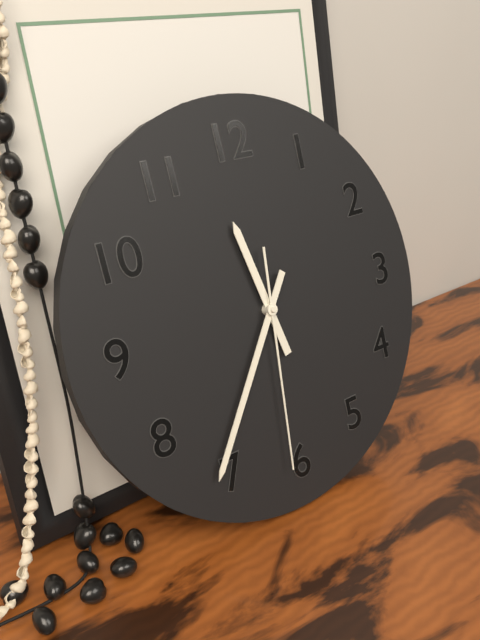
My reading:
{"hour": 11, "minute": 36, "second": 31}
